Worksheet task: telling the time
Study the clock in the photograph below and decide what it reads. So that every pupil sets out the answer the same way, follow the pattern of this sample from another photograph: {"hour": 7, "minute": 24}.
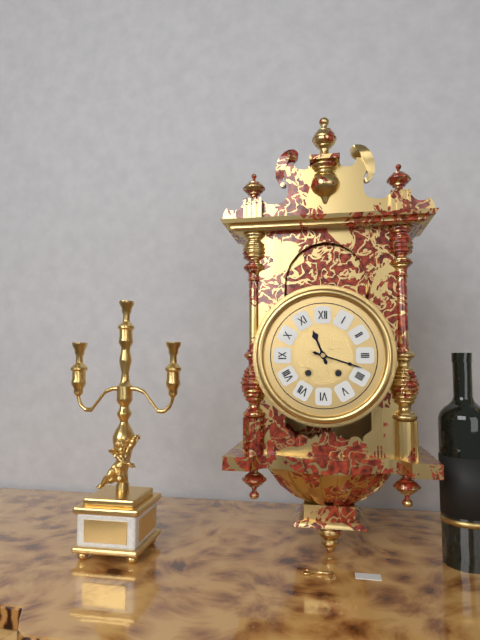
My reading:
{"hour": 11, "minute": 18}
